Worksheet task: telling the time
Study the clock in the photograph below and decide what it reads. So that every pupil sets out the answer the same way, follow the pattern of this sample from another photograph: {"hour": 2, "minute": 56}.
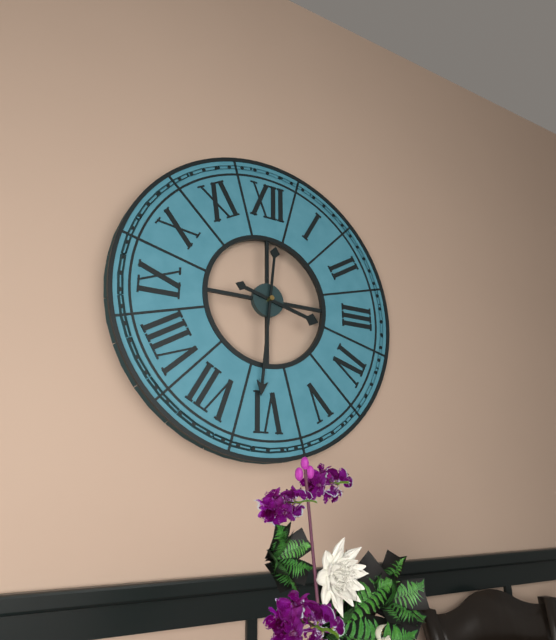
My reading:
{"hour": 3, "minute": 31}
